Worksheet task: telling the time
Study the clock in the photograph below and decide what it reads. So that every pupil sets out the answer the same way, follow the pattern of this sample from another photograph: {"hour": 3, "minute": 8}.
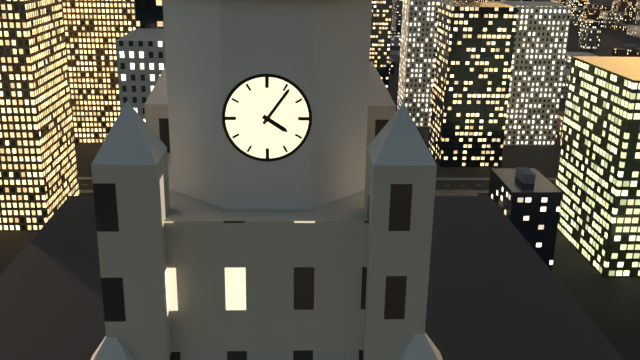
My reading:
{"hour": 4, "minute": 6}
